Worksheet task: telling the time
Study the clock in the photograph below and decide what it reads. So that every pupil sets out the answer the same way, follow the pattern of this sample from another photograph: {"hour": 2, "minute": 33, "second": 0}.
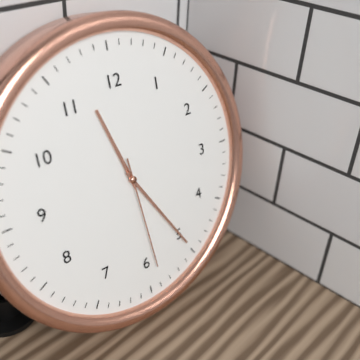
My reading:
{"hour": 11, "minute": 25, "second": 29}
